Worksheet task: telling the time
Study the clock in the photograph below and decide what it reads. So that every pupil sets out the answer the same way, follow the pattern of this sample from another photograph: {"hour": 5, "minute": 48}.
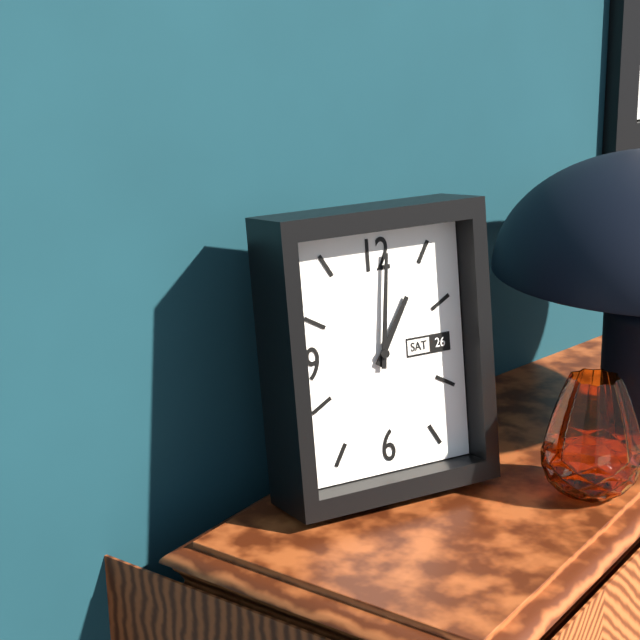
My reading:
{"hour": 1, "minute": 1}
